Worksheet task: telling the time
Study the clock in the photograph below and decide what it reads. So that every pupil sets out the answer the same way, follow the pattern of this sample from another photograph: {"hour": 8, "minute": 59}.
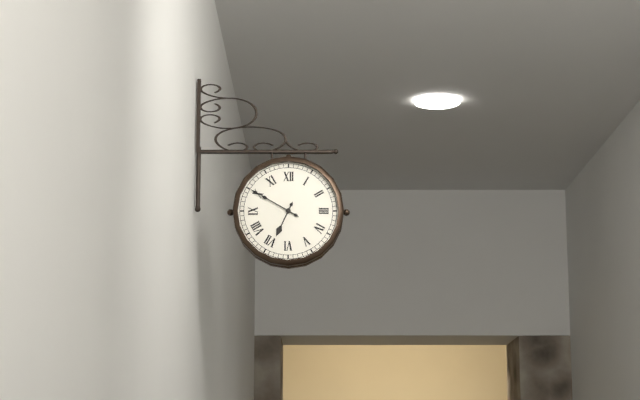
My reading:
{"hour": 6, "minute": 50}
